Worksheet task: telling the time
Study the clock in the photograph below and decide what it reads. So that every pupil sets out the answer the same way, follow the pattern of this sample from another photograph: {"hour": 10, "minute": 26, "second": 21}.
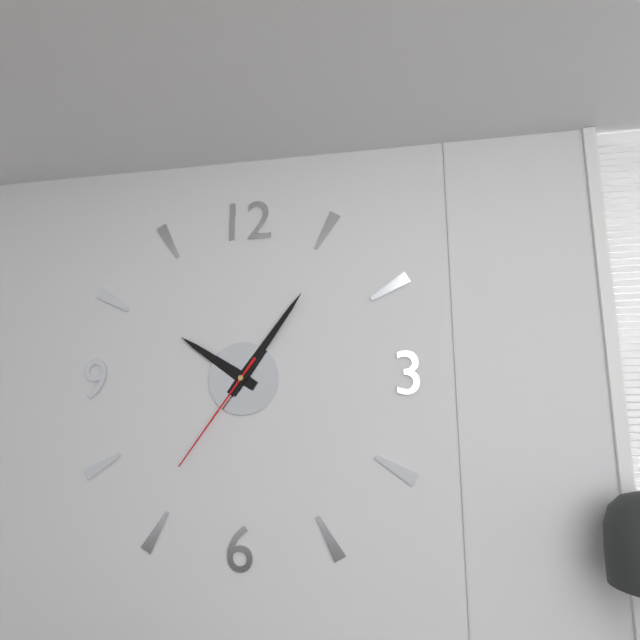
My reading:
{"hour": 10, "minute": 6, "second": 36}
